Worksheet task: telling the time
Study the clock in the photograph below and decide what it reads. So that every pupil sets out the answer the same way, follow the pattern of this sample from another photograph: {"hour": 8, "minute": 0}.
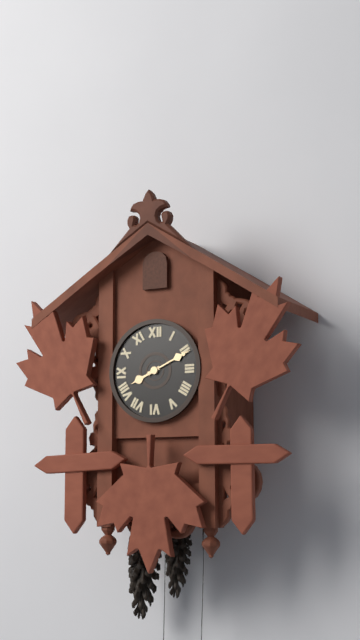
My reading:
{"hour": 8, "minute": 11}
